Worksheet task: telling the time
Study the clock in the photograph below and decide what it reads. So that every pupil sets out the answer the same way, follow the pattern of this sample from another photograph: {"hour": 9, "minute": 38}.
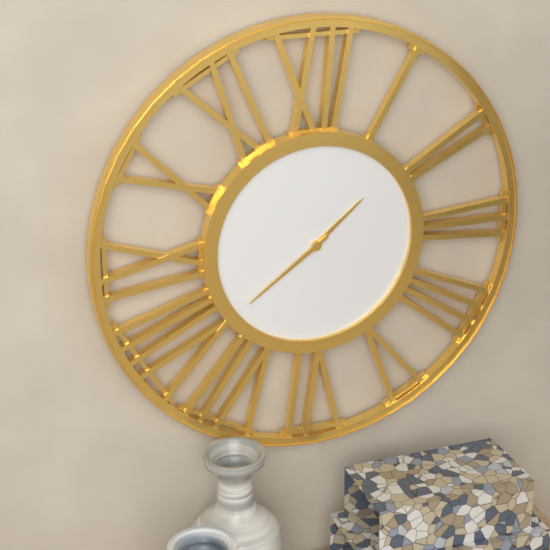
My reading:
{"hour": 1, "minute": 39}
